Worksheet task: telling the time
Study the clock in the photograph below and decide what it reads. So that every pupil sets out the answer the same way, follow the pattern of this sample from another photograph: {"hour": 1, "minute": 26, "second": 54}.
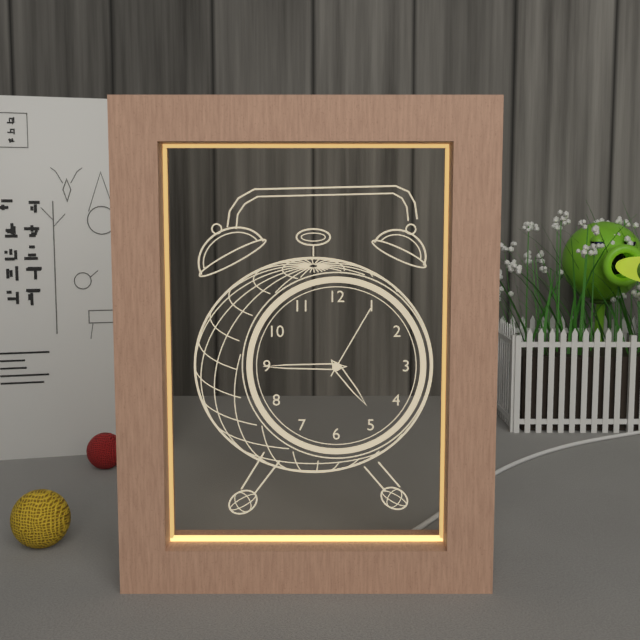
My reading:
{"hour": 4, "minute": 45, "second": 5}
